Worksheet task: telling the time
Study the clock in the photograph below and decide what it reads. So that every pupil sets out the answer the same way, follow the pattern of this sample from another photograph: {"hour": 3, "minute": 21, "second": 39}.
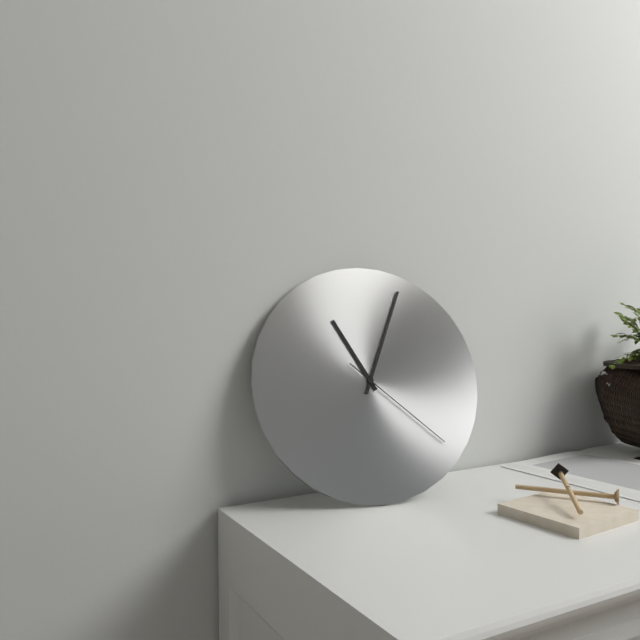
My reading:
{"hour": 11, "minute": 4, "second": 22}
